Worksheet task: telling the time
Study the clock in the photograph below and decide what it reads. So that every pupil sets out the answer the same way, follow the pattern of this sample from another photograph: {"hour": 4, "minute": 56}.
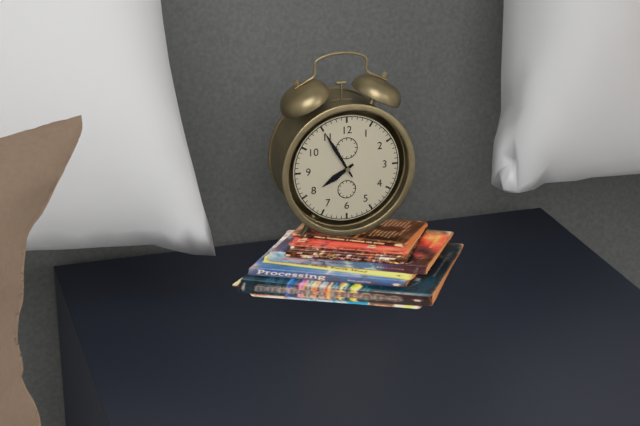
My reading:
{"hour": 7, "minute": 55}
